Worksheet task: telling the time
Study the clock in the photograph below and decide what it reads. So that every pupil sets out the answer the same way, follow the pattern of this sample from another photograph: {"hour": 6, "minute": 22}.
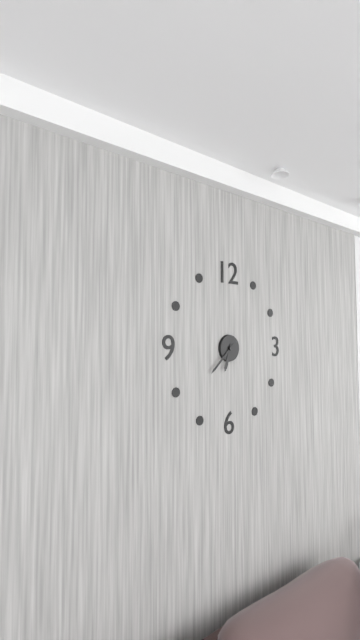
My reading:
{"hour": 6, "minute": 38}
